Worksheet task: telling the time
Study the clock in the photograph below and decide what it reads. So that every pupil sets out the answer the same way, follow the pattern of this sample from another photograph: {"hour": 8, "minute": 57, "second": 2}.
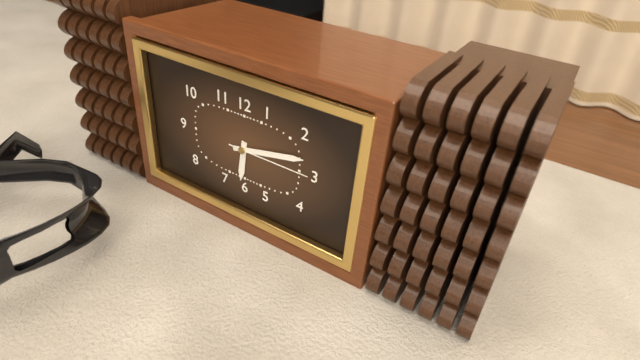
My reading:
{"hour": 6, "minute": 13, "second": 15}
